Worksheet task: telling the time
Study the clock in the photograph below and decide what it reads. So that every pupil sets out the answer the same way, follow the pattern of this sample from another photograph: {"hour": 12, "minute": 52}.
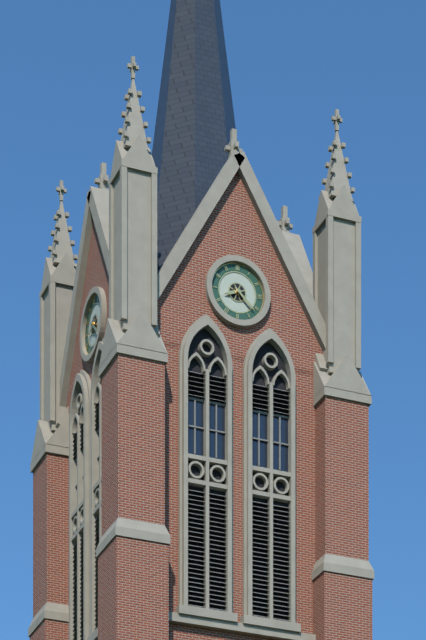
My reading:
{"hour": 8, "minute": 22}
